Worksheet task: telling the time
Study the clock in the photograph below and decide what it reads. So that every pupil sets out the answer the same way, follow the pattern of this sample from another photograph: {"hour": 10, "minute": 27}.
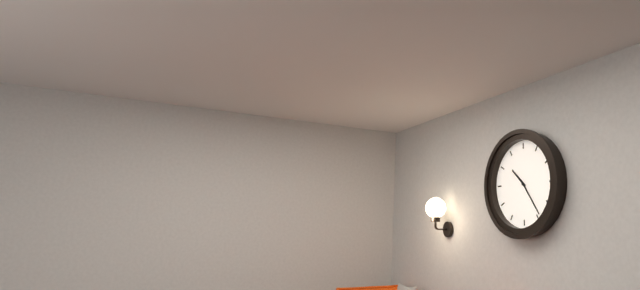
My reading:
{"hour": 10, "minute": 24}
